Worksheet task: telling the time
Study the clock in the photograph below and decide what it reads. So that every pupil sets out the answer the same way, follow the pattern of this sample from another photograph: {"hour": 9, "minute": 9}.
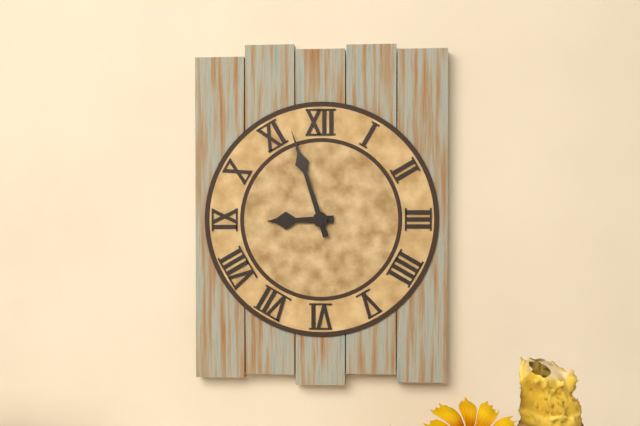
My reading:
{"hour": 8, "minute": 57}
